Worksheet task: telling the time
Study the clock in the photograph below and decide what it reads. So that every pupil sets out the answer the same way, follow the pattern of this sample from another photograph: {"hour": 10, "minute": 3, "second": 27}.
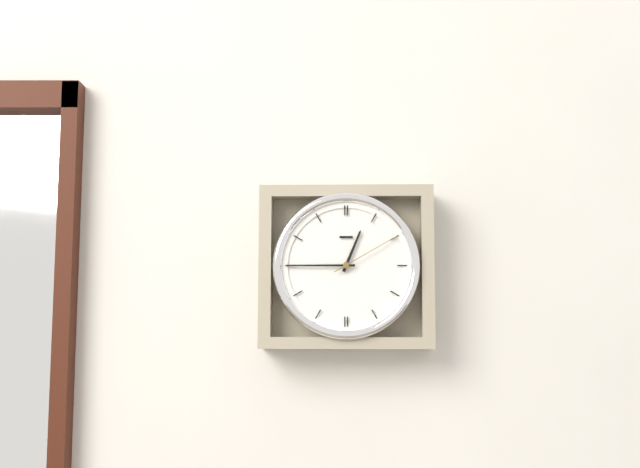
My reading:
{"hour": 12, "minute": 45, "second": 10}
